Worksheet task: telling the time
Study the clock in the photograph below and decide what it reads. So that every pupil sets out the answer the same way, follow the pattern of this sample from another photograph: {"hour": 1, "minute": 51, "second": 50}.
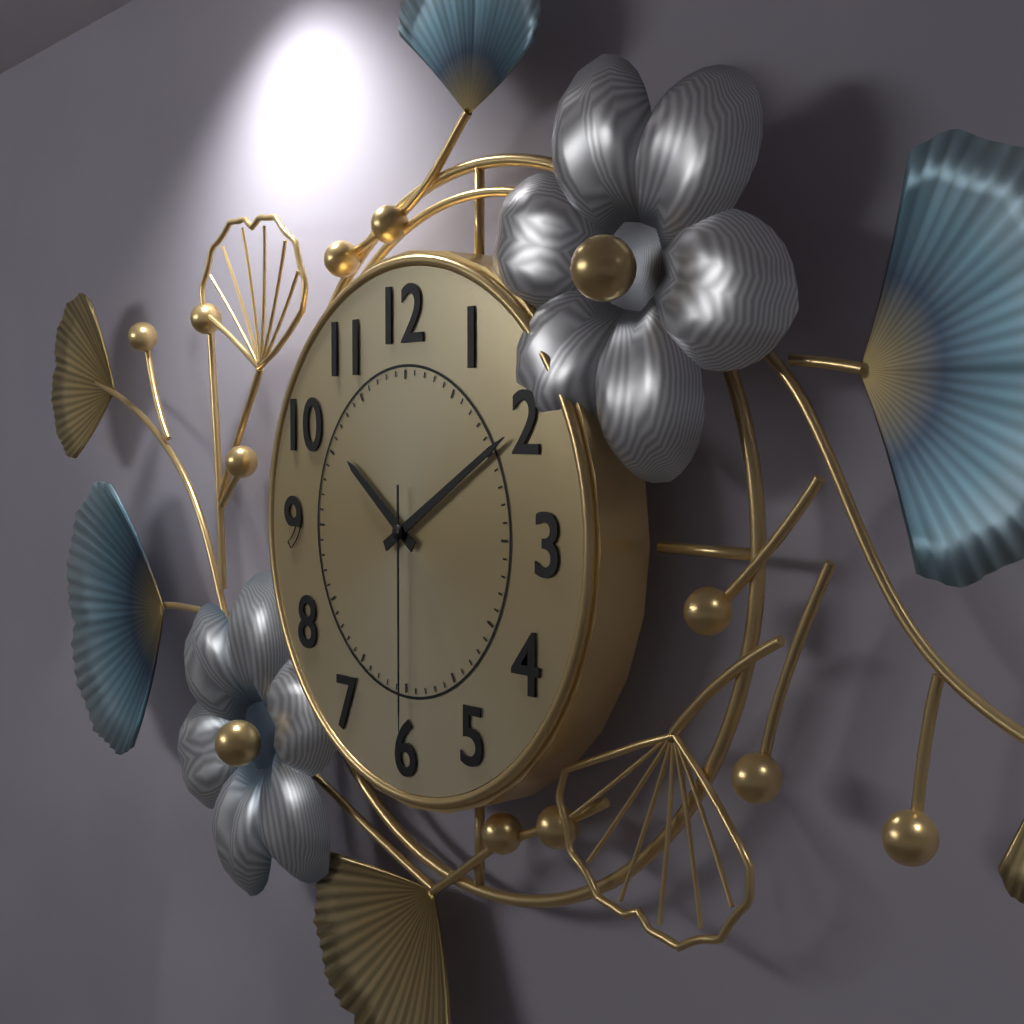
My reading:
{"hour": 10, "minute": 10, "second": 30}
